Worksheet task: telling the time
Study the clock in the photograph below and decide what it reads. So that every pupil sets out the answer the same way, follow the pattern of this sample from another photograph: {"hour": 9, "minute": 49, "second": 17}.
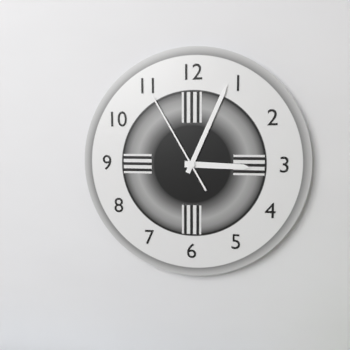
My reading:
{"hour": 3, "minute": 4, "second": 55}
